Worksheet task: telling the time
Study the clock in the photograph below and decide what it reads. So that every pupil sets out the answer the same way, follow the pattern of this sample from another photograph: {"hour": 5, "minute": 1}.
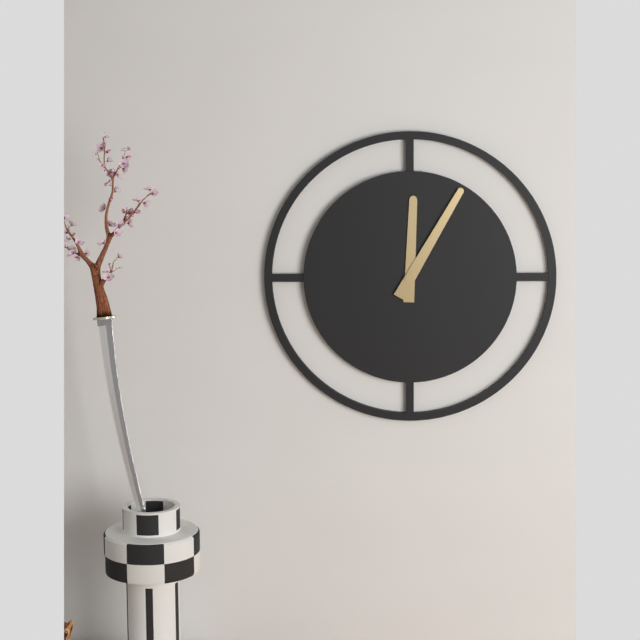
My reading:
{"hour": 12, "minute": 5}
